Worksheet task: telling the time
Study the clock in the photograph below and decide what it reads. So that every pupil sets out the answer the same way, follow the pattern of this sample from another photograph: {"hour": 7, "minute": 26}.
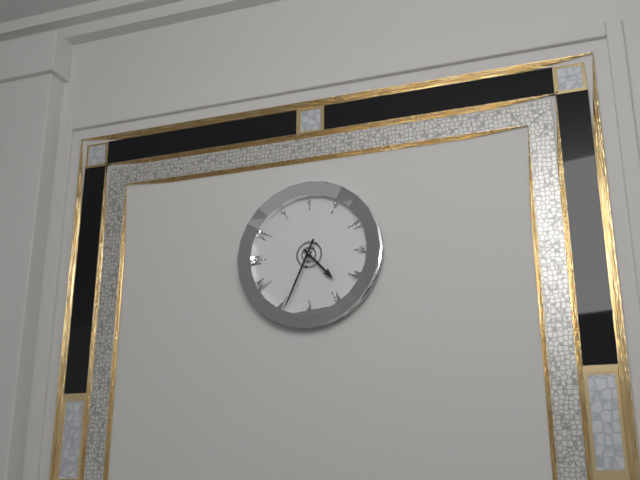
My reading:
{"hour": 4, "minute": 34}
